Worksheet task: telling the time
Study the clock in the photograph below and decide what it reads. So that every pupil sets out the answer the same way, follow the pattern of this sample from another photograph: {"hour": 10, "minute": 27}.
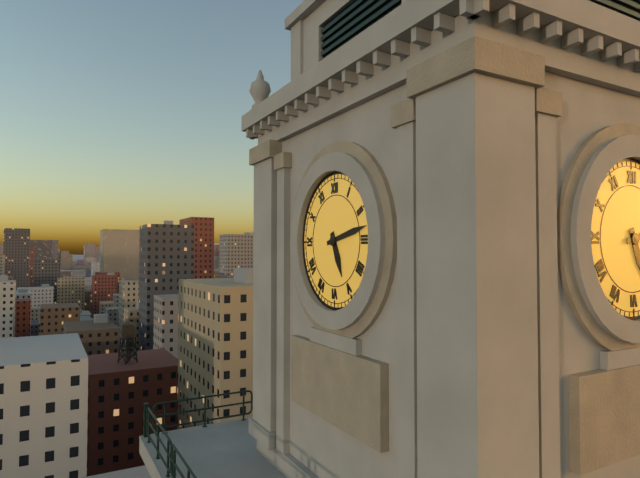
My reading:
{"hour": 5, "minute": 13}
